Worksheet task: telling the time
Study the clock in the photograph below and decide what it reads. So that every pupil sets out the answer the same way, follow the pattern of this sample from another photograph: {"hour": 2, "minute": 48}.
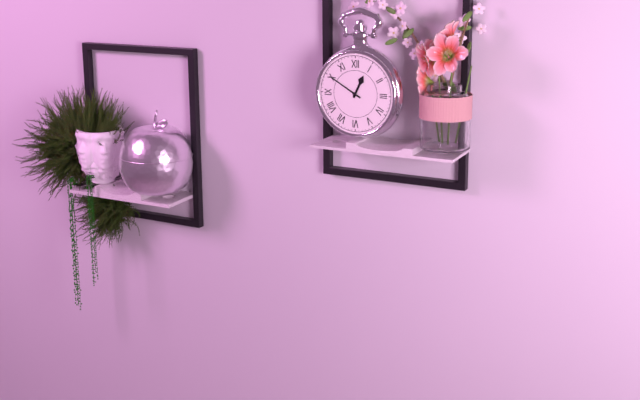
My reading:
{"hour": 12, "minute": 50}
